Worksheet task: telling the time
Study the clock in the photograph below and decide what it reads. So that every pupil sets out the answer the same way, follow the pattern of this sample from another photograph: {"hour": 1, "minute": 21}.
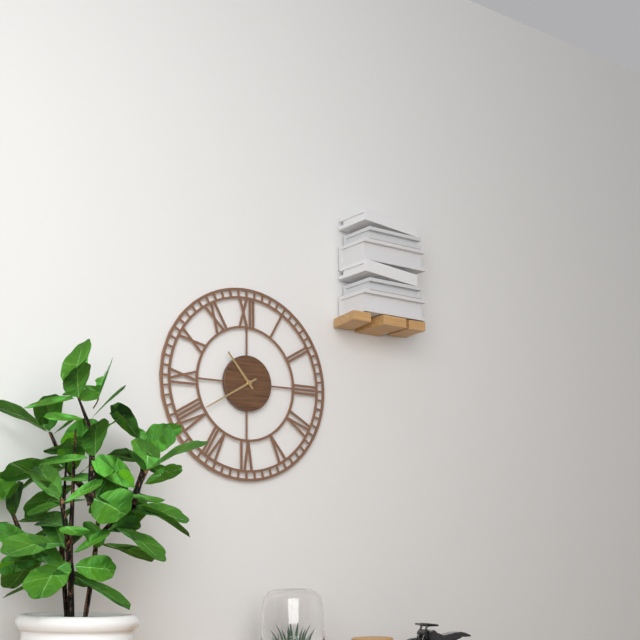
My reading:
{"hour": 10, "minute": 40}
